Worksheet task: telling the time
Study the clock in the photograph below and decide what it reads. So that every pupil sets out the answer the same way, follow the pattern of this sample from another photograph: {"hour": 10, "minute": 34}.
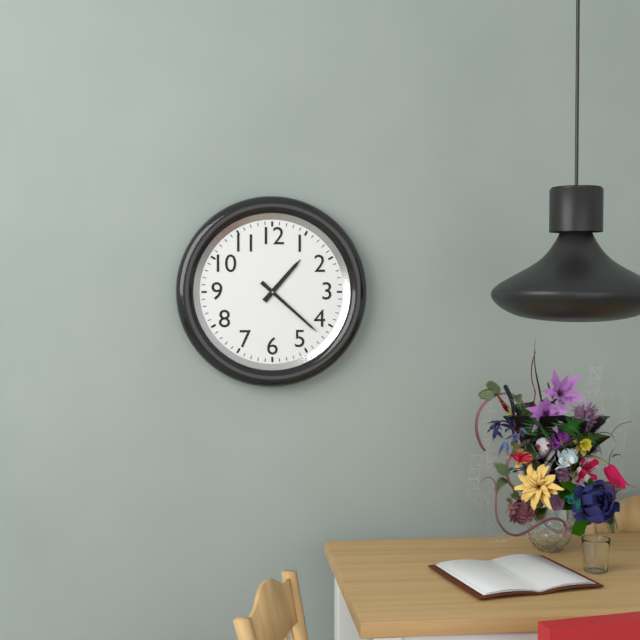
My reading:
{"hour": 1, "minute": 22}
